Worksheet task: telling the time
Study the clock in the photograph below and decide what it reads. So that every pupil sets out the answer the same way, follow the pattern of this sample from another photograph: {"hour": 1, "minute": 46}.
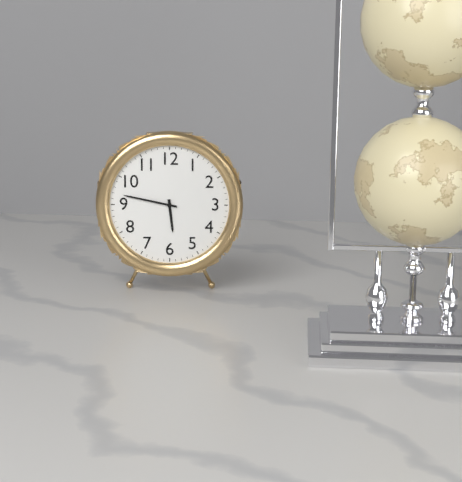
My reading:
{"hour": 5, "minute": 47}
